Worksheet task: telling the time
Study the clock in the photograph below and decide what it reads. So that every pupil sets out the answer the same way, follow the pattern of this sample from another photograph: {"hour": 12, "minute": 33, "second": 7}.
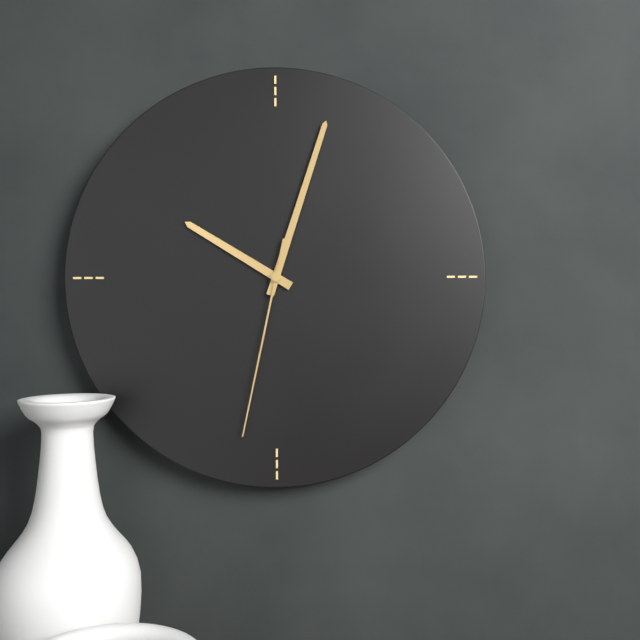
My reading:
{"hour": 10, "minute": 3, "second": 32}
